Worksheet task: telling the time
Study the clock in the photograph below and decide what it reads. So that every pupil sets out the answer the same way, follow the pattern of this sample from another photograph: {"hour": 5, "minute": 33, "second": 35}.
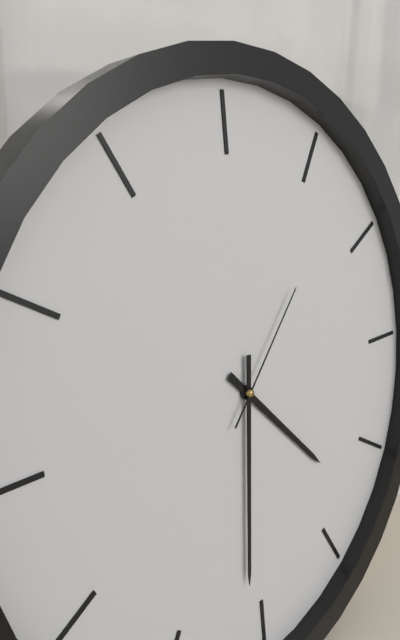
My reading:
{"hour": 4, "minute": 31, "second": 7}
